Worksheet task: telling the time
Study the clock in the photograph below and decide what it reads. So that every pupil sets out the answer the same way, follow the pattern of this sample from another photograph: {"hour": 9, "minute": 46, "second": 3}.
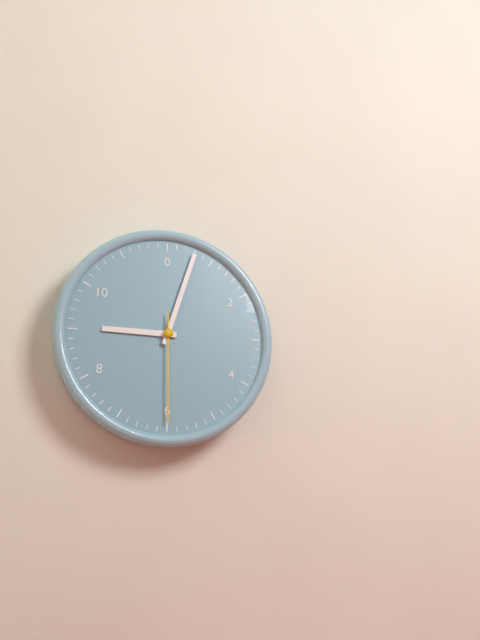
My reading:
{"hour": 9, "minute": 3, "second": 30}
